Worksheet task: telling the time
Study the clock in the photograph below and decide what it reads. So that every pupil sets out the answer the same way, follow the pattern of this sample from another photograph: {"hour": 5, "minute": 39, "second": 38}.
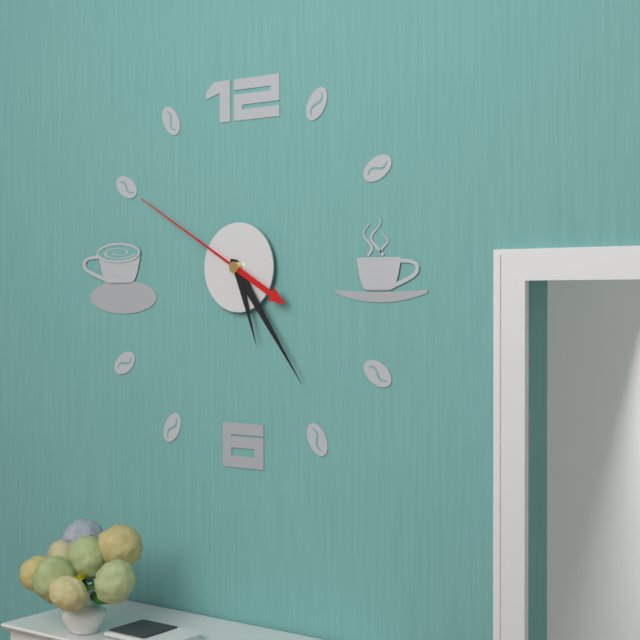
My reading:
{"hour": 5, "minute": 24, "second": 50}
